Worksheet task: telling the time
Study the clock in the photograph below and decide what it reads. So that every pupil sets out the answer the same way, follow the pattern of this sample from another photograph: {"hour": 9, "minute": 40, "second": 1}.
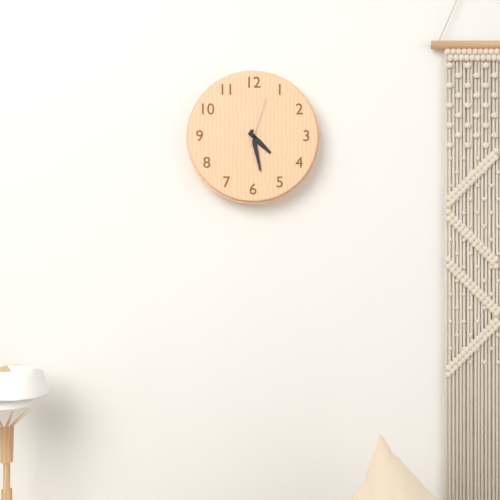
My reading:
{"hour": 4, "minute": 28, "second": 3}
